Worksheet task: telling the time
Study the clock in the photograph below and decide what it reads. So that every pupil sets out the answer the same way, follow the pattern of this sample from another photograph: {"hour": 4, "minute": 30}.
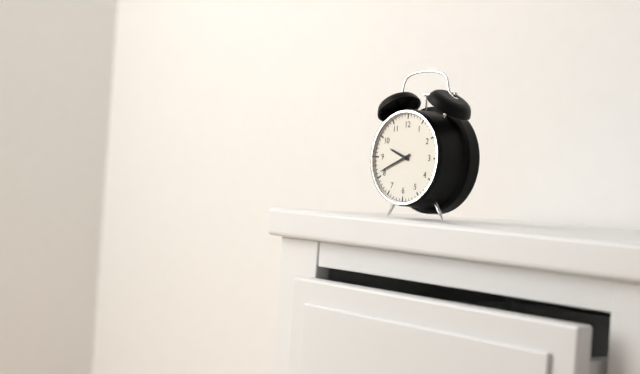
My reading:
{"hour": 9, "minute": 41}
